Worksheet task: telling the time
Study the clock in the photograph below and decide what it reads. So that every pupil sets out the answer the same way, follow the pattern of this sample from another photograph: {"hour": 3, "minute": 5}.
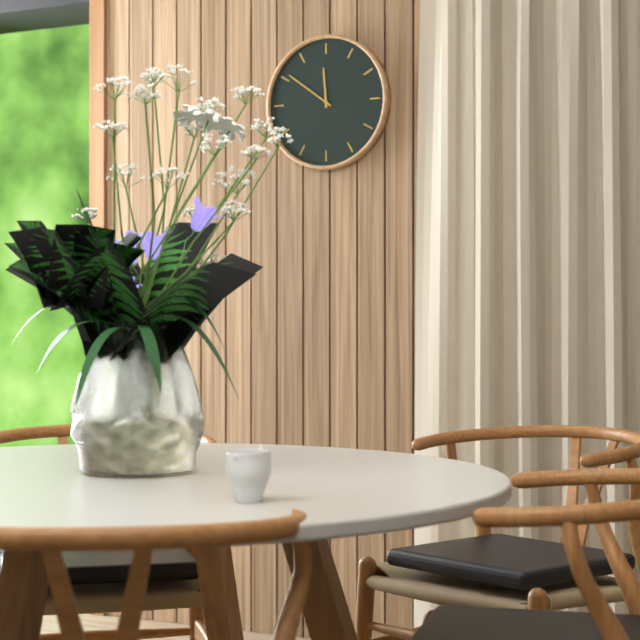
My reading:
{"hour": 11, "minute": 51}
